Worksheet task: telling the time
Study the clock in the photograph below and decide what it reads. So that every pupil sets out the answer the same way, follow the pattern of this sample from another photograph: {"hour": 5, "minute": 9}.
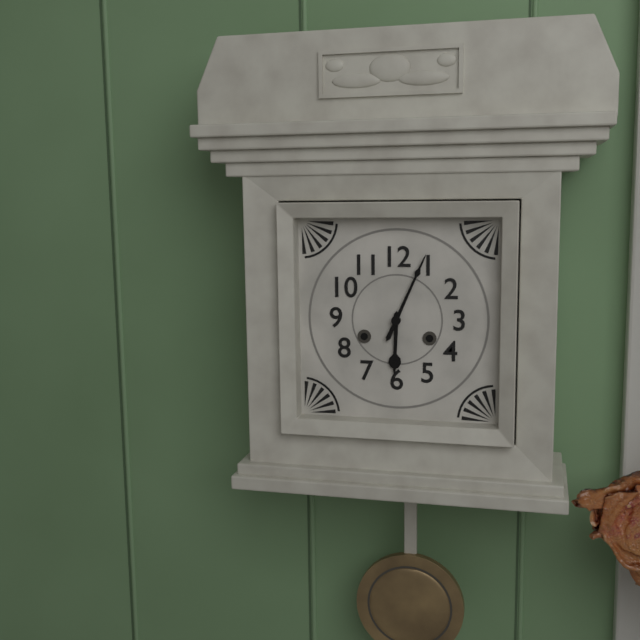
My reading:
{"hour": 6, "minute": 4}
